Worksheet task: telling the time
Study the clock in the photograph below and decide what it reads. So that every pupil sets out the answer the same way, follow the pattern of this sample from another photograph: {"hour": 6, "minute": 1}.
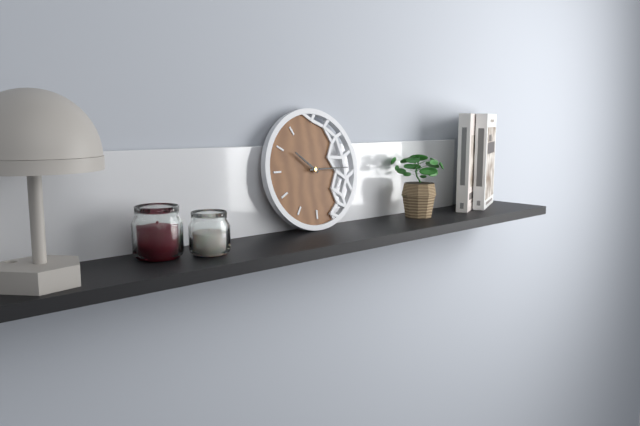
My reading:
{"hour": 10, "minute": 15}
